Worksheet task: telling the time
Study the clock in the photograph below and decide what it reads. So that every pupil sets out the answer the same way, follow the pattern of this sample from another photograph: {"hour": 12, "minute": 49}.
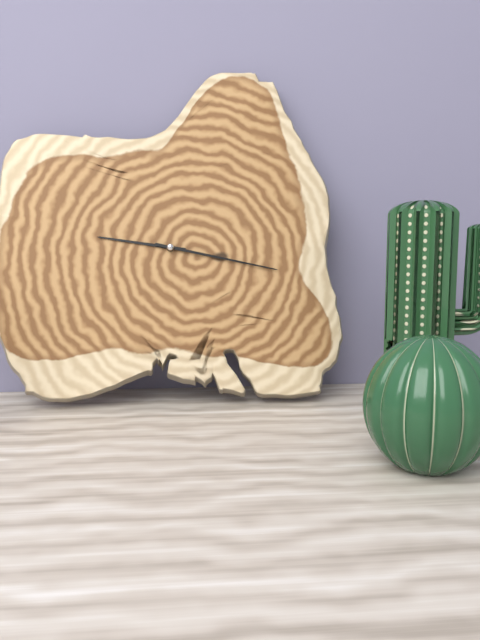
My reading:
{"hour": 9, "minute": 17}
